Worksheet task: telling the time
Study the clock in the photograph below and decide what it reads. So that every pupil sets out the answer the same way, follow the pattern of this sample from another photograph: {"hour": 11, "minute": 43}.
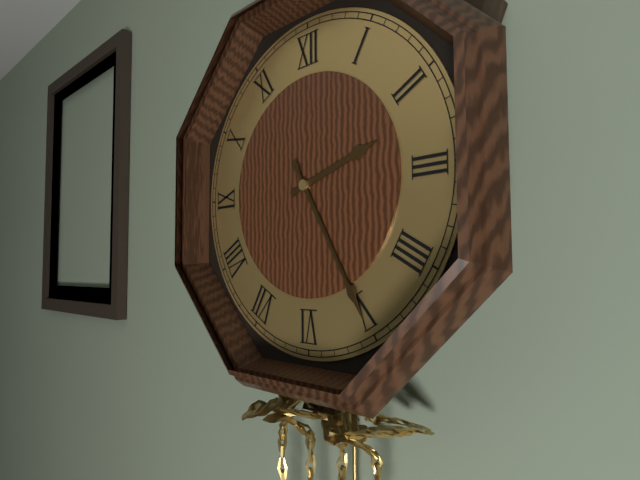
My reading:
{"hour": 2, "minute": 25}
